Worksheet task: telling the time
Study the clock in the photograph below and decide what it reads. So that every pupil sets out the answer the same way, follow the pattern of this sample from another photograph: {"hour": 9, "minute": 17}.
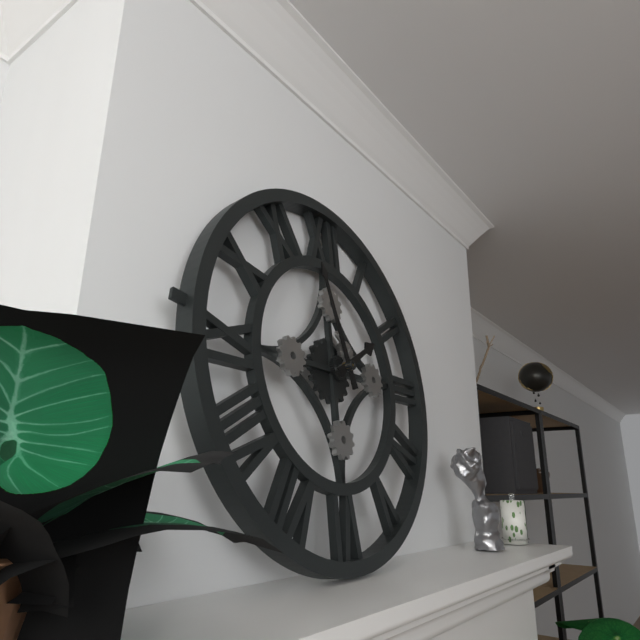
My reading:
{"hour": 1, "minute": 57}
